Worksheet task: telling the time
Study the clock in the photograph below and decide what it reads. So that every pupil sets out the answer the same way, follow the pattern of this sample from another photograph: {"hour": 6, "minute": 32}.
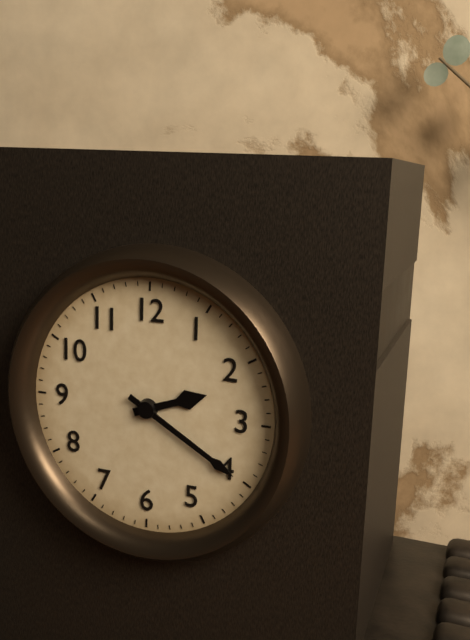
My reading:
{"hour": 2, "minute": 20}
